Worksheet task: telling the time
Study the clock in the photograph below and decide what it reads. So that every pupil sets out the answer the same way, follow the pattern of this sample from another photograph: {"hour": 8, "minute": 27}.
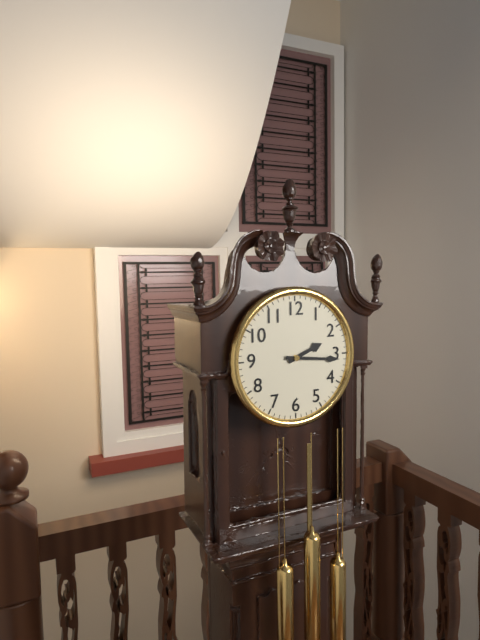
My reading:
{"hour": 2, "minute": 16}
